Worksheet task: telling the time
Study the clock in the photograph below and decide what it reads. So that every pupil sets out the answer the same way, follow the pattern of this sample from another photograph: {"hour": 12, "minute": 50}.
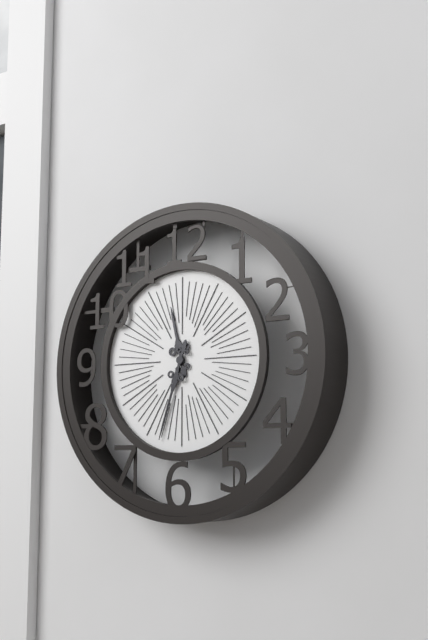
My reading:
{"hour": 11, "minute": 33}
